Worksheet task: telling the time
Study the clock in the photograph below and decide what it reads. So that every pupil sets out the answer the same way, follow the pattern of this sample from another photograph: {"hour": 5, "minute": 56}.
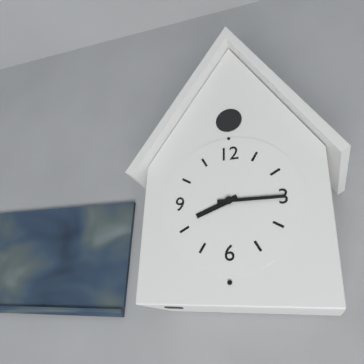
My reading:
{"hour": 8, "minute": 15}
